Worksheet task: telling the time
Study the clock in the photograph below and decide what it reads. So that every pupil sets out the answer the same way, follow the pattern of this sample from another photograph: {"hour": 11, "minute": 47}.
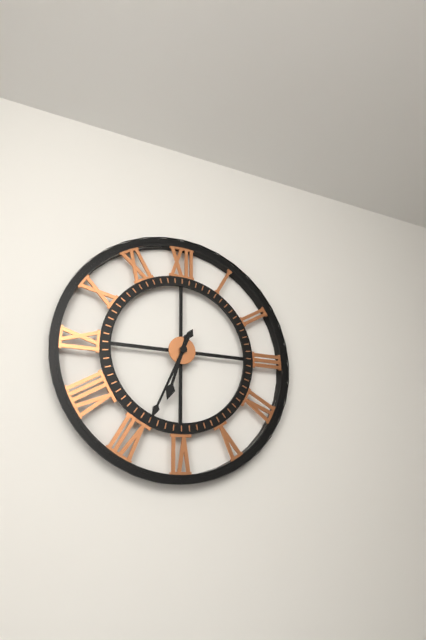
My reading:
{"hour": 6, "minute": 34}
